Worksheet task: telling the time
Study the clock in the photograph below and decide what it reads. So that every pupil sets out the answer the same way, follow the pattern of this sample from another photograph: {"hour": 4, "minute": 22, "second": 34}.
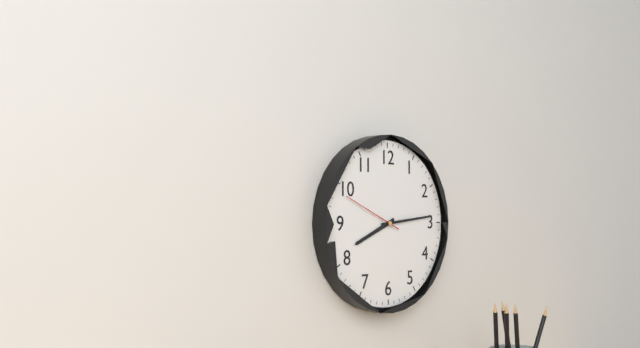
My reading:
{"hour": 8, "minute": 14, "second": 49}
